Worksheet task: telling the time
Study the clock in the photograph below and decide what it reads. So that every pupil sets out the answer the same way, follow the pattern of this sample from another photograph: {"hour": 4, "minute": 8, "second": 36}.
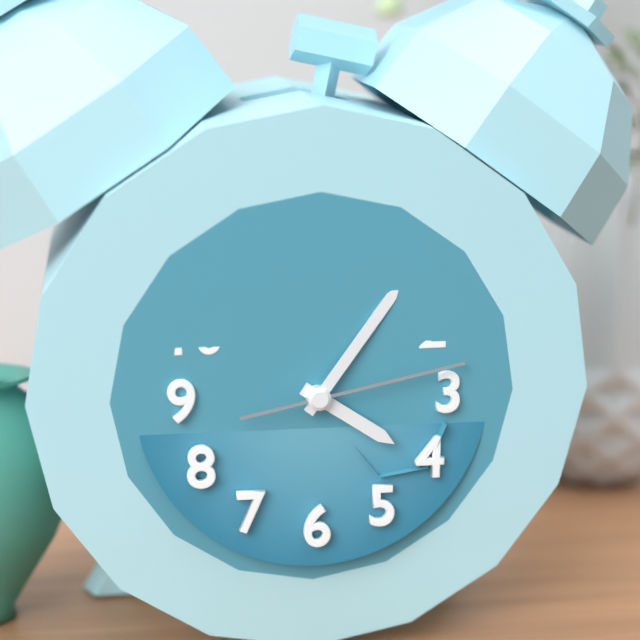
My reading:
{"hour": 4, "minute": 6, "second": 13}
